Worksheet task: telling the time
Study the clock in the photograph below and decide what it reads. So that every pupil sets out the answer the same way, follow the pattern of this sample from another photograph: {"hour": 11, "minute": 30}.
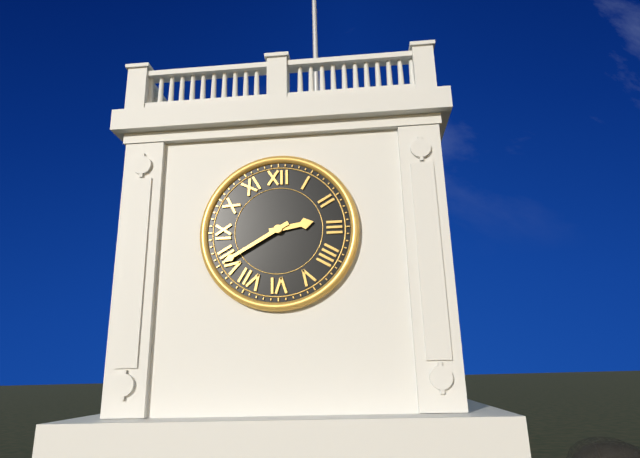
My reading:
{"hour": 2, "minute": 40}
